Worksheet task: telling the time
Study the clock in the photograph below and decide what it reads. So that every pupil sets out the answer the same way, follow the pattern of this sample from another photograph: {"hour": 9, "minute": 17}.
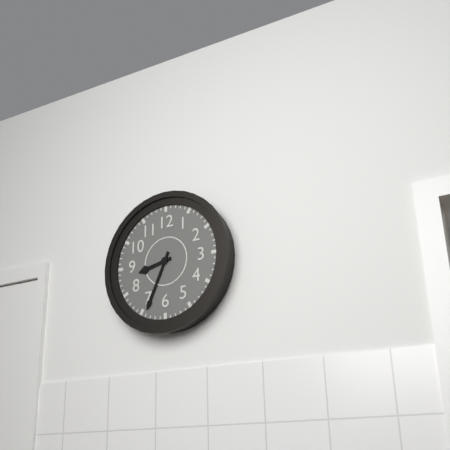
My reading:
{"hour": 8, "minute": 34}
